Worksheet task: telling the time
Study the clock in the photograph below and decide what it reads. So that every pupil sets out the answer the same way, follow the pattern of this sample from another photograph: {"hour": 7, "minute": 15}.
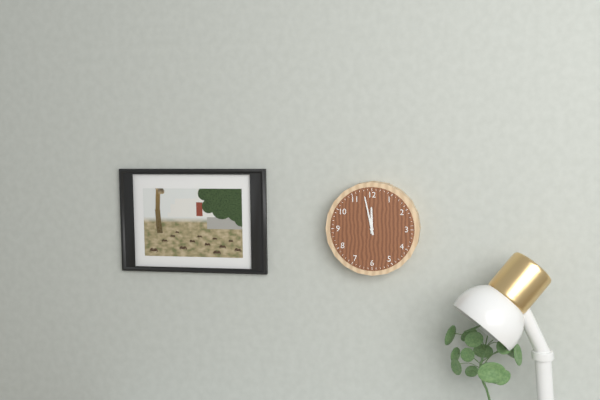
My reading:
{"hour": 11, "minute": 58}
